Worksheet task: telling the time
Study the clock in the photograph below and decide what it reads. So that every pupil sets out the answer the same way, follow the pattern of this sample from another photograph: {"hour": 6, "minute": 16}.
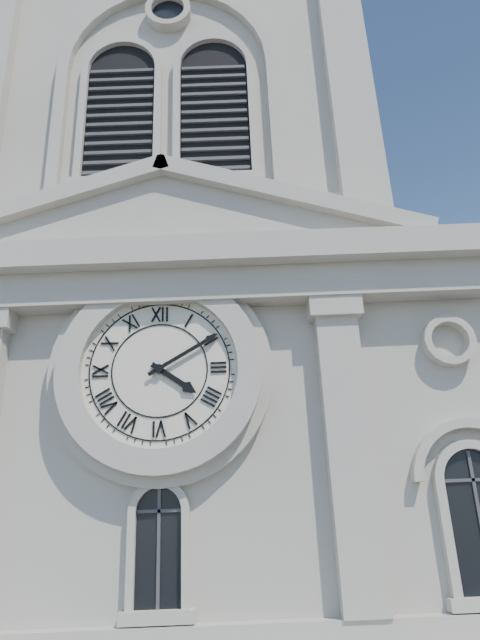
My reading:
{"hour": 4, "minute": 10}
